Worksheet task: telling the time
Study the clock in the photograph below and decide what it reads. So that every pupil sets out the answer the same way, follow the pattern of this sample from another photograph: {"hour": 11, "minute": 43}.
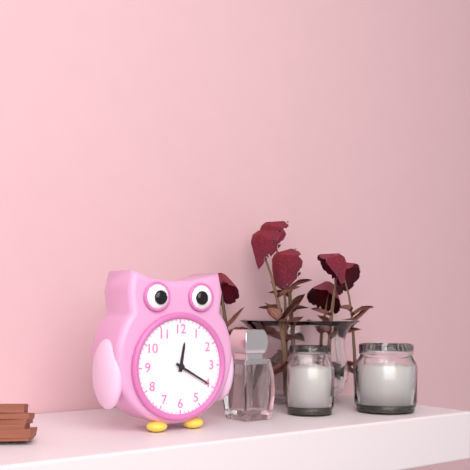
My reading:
{"hour": 12, "minute": 20}
